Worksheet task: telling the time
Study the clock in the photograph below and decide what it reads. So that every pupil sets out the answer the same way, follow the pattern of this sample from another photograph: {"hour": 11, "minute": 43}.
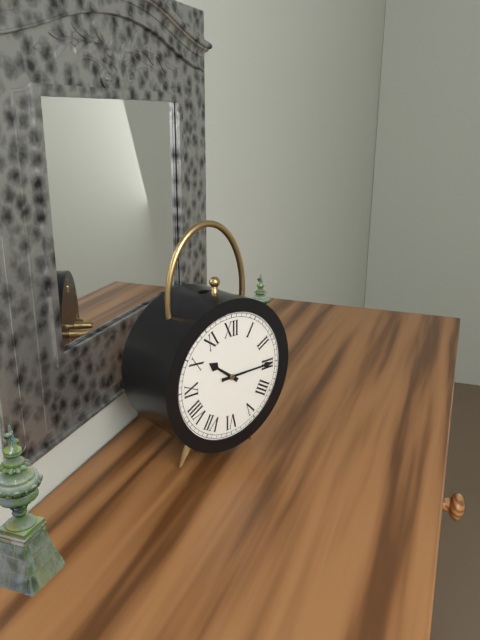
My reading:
{"hour": 10, "minute": 15}
